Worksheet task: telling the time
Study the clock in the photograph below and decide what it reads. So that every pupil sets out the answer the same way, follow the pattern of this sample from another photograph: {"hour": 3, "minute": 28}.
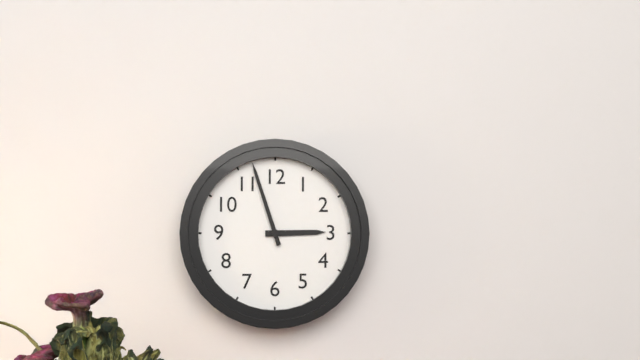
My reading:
{"hour": 2, "minute": 57}
